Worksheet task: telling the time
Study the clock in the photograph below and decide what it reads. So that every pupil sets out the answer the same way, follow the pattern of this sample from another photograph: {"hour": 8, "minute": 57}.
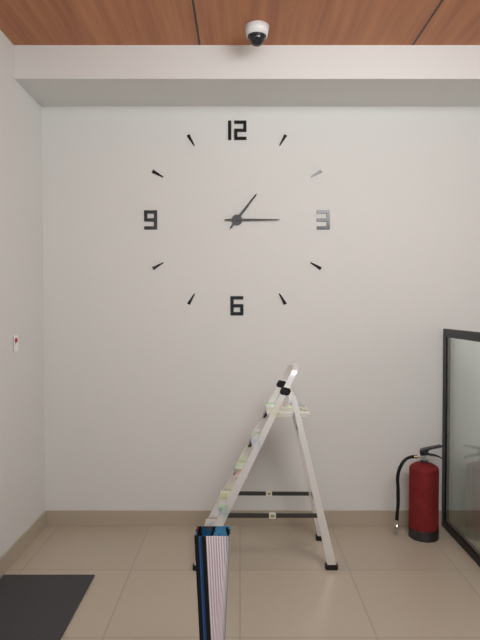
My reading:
{"hour": 1, "minute": 15}
